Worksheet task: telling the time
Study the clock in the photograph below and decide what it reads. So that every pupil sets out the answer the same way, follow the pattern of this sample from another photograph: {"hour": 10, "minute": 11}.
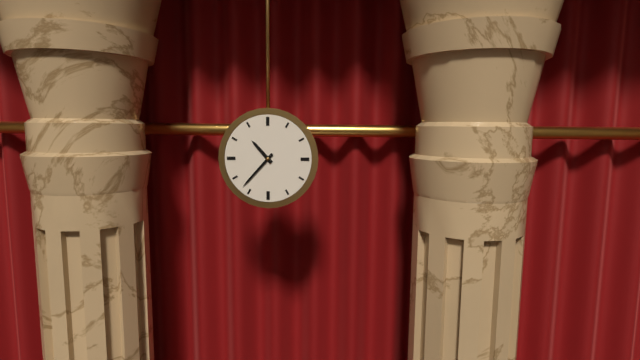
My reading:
{"hour": 10, "minute": 37}
